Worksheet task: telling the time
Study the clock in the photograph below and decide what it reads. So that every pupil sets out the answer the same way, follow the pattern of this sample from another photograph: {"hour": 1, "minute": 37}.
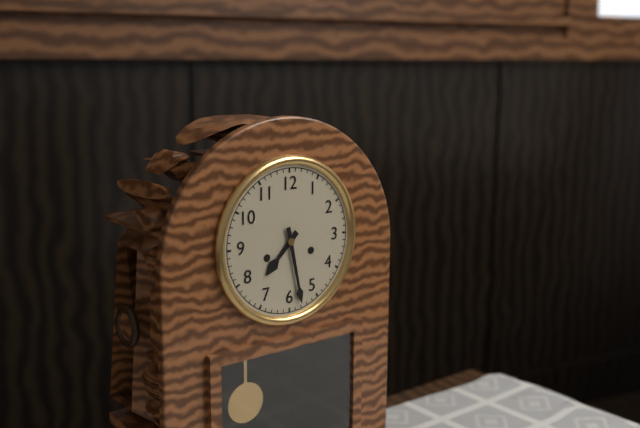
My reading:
{"hour": 7, "minute": 28}
